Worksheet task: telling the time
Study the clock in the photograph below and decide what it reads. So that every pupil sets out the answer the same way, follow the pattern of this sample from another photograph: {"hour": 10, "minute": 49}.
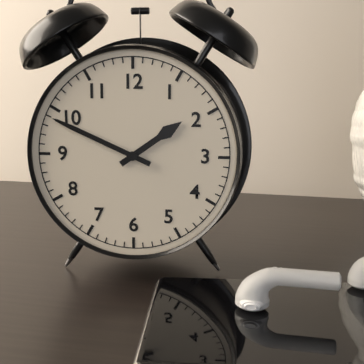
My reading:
{"hour": 1, "minute": 49}
